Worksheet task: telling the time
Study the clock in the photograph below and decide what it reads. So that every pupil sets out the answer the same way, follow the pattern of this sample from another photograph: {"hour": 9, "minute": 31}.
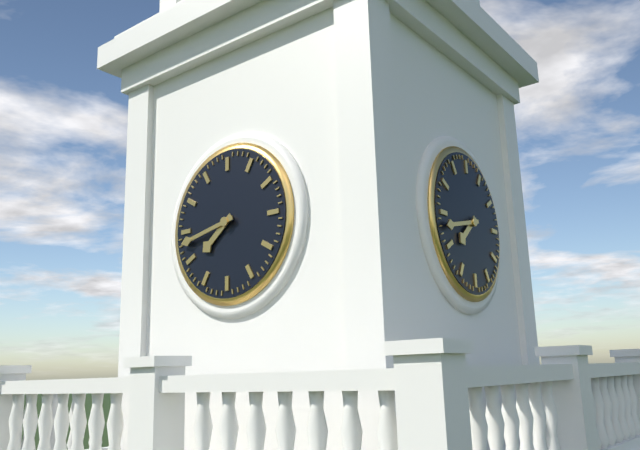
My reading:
{"hour": 7, "minute": 43}
